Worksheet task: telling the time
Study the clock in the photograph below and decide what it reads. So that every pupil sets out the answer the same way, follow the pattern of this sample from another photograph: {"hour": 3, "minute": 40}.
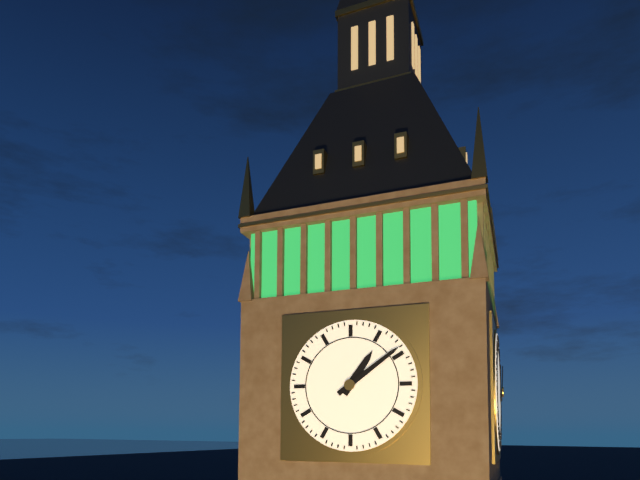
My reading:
{"hour": 1, "minute": 9}
